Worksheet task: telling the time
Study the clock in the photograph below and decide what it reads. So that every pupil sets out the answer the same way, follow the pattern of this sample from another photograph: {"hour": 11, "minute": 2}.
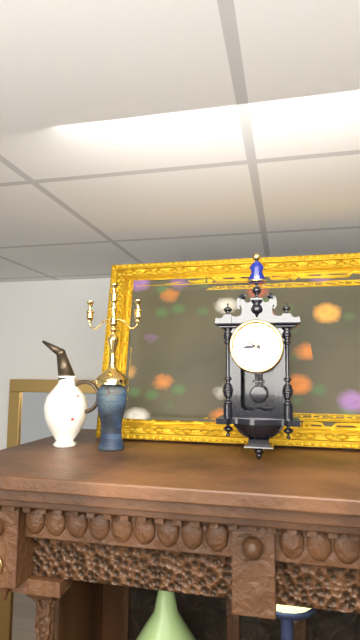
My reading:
{"hour": 8, "minute": 50}
